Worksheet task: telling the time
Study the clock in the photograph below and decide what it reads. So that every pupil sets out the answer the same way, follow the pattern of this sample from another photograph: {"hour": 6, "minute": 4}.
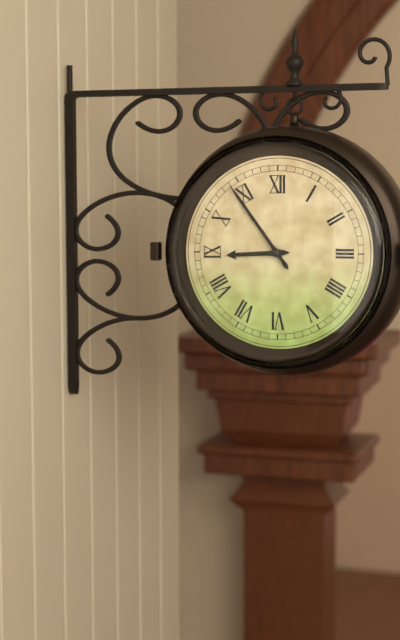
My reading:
{"hour": 8, "minute": 54}
